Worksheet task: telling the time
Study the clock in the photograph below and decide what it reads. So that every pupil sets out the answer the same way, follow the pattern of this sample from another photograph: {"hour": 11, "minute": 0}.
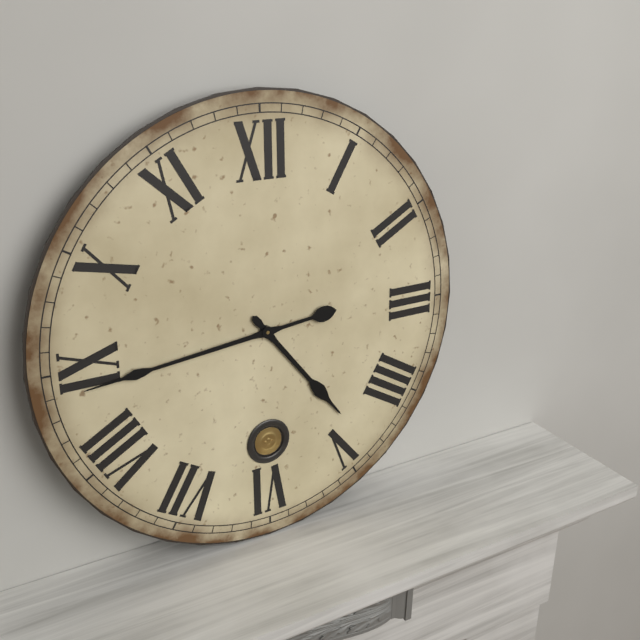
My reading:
{"hour": 4, "minute": 44}
